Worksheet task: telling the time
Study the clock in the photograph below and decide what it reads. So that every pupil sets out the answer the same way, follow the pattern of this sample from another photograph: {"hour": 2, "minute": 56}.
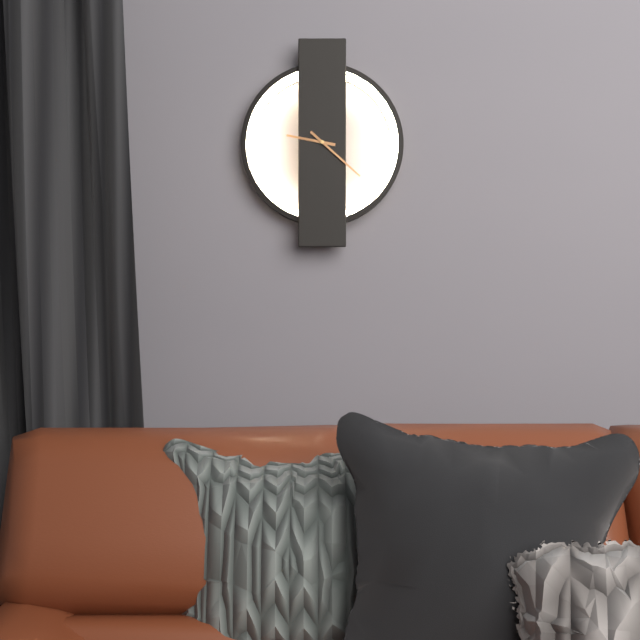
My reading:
{"hour": 9, "minute": 22}
